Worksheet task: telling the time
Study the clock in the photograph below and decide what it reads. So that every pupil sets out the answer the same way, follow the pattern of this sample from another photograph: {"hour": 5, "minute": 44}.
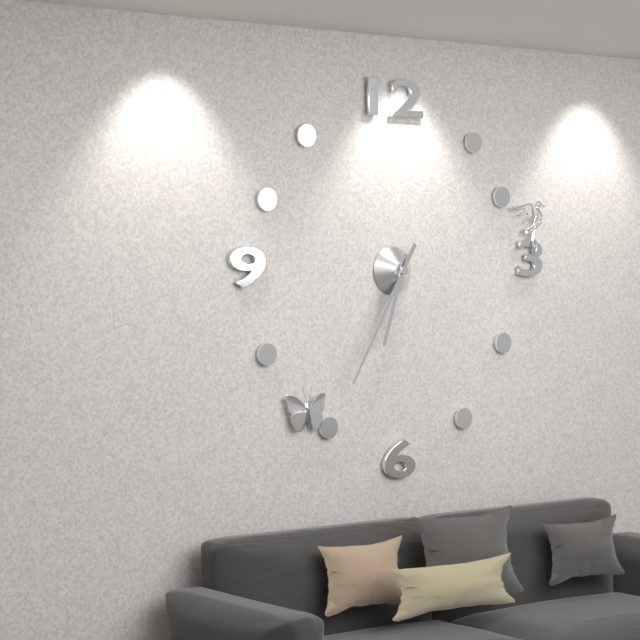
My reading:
{"hour": 6, "minute": 35}
